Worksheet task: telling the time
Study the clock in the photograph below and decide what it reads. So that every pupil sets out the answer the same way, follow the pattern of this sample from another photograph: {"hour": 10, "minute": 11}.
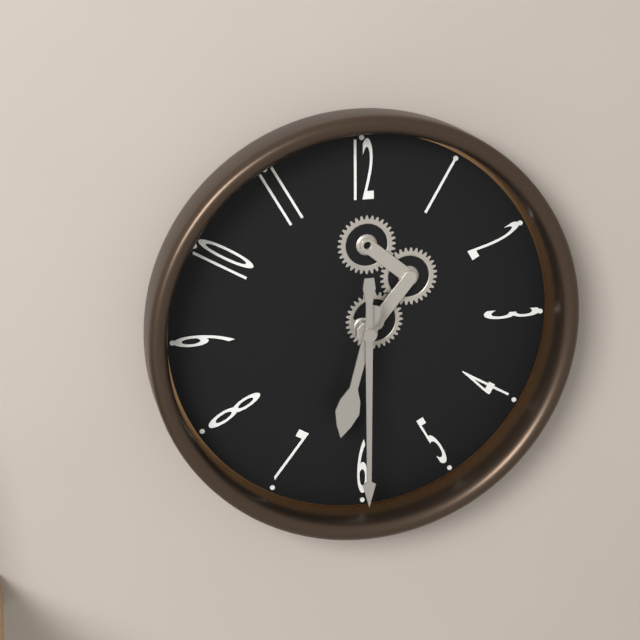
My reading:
{"hour": 6, "minute": 30}
